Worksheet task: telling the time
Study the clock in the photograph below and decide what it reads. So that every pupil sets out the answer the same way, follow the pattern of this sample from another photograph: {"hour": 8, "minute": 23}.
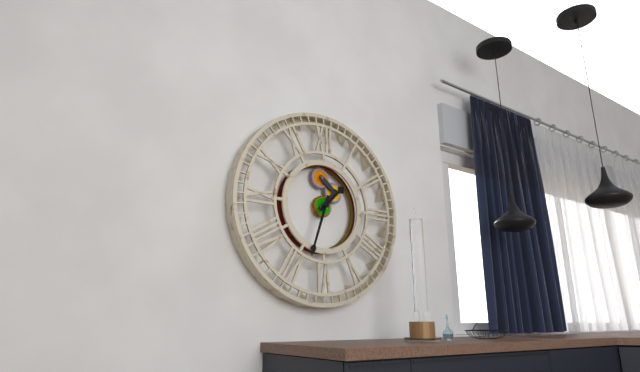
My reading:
{"hour": 1, "minute": 33}
